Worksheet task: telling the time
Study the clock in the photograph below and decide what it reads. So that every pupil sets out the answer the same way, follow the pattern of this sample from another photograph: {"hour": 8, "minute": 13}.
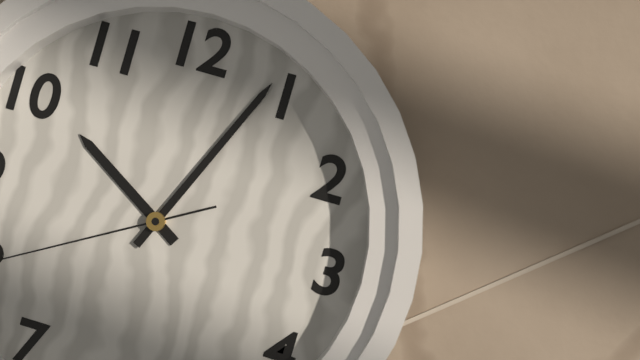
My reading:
{"hour": 10, "minute": 4}
